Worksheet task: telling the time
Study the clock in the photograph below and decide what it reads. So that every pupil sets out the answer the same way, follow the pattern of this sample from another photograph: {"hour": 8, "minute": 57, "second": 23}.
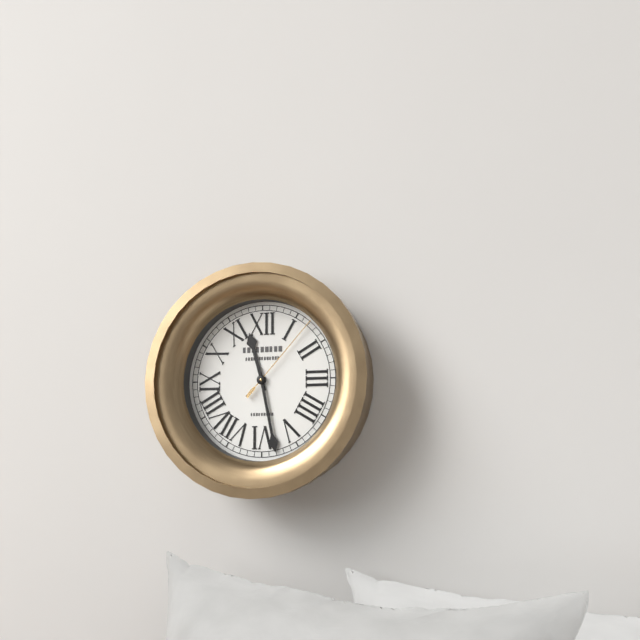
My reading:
{"hour": 11, "minute": 28, "second": 7}
